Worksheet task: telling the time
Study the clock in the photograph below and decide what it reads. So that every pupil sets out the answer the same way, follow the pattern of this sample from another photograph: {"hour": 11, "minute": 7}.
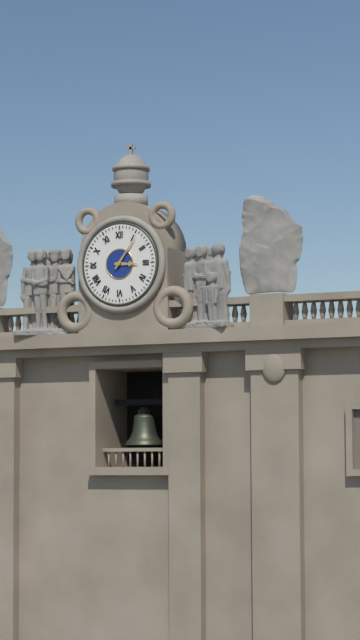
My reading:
{"hour": 3, "minute": 6}
